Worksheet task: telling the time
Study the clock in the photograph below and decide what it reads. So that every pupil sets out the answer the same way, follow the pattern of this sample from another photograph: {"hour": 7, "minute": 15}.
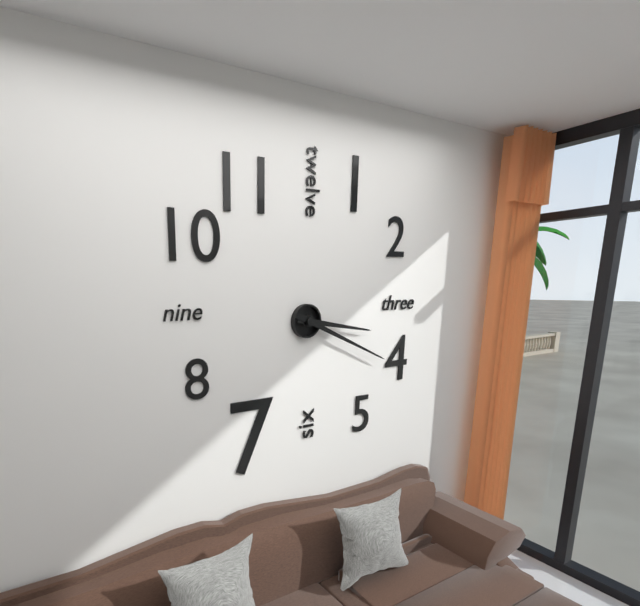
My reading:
{"hour": 3, "minute": 19}
